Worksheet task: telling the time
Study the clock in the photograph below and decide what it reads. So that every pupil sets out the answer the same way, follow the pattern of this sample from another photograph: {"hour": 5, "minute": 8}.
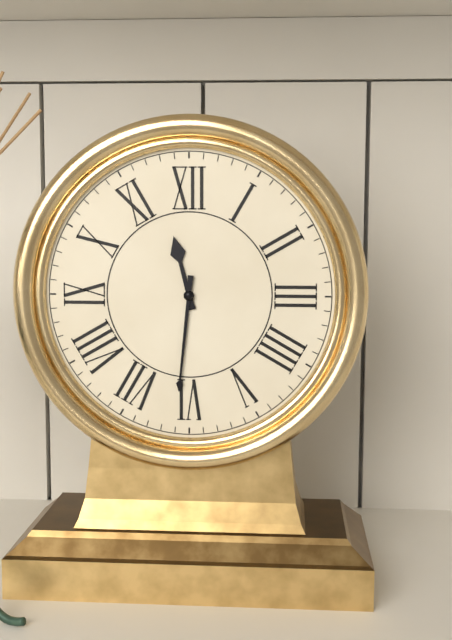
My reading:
{"hour": 11, "minute": 31}
